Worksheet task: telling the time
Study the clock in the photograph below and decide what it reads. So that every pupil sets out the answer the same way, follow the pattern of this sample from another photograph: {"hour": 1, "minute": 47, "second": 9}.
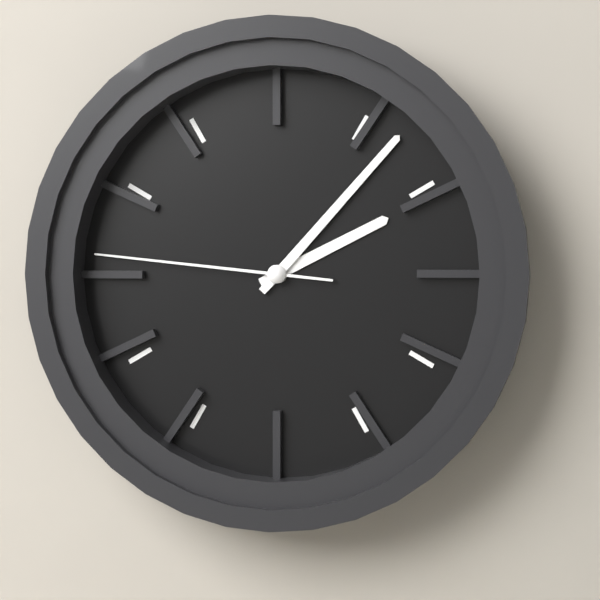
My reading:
{"hour": 2, "minute": 7, "second": 46}
